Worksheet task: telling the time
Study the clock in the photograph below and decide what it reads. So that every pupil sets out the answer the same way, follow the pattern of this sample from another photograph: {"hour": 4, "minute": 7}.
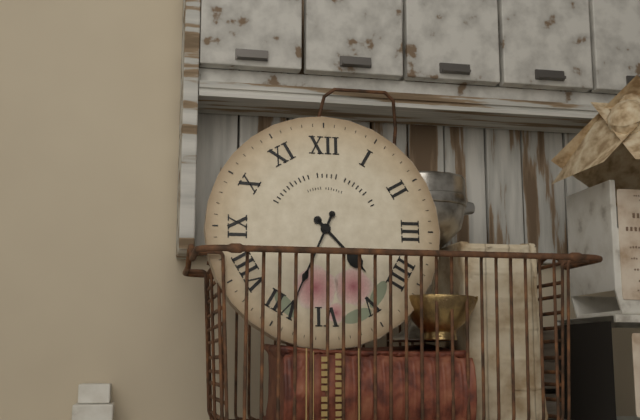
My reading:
{"hour": 4, "minute": 34}
